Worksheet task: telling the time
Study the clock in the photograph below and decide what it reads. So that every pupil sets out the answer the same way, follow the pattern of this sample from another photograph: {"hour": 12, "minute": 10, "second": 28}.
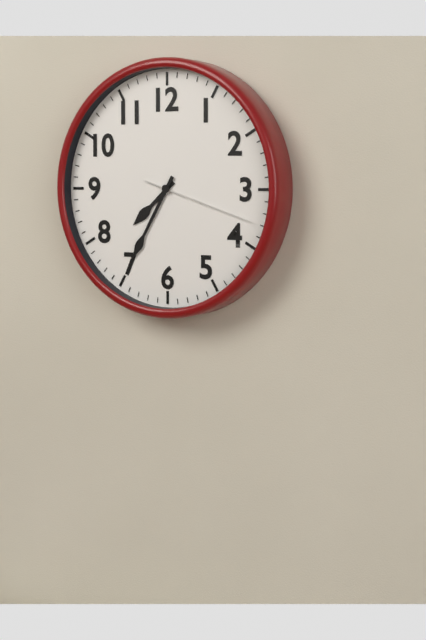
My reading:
{"hour": 7, "minute": 35, "second": 18}
